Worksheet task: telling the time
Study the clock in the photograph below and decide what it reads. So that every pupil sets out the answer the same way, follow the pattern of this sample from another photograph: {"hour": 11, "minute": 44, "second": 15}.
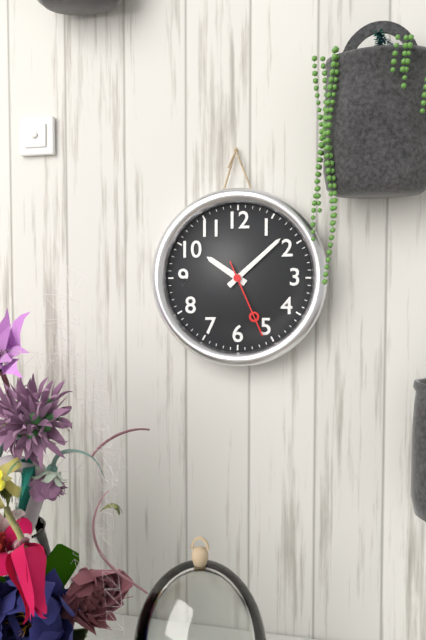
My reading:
{"hour": 10, "minute": 8, "second": 26}
